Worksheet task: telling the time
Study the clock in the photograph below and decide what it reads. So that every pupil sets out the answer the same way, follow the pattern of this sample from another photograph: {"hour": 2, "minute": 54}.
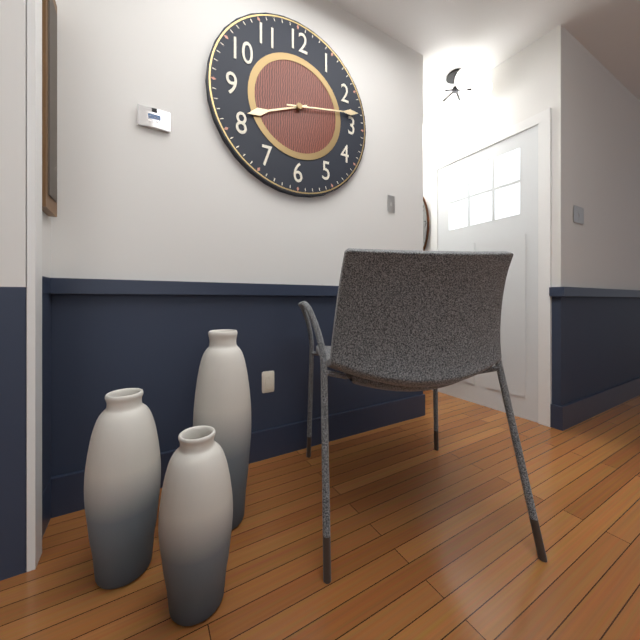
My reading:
{"hour": 8, "minute": 13}
